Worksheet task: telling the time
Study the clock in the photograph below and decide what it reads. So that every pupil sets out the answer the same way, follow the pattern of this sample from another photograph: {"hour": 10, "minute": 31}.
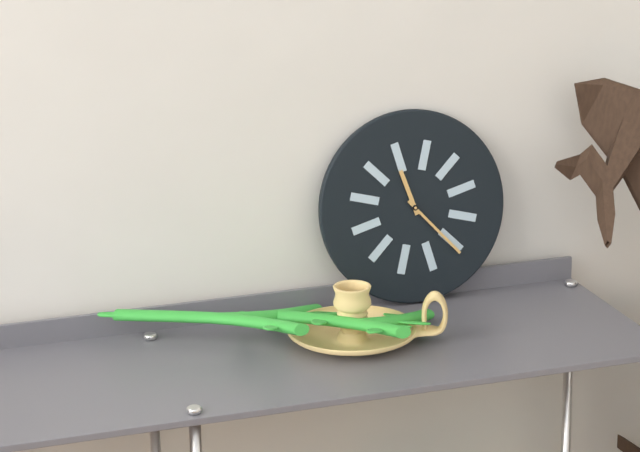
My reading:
{"hour": 11, "minute": 23}
